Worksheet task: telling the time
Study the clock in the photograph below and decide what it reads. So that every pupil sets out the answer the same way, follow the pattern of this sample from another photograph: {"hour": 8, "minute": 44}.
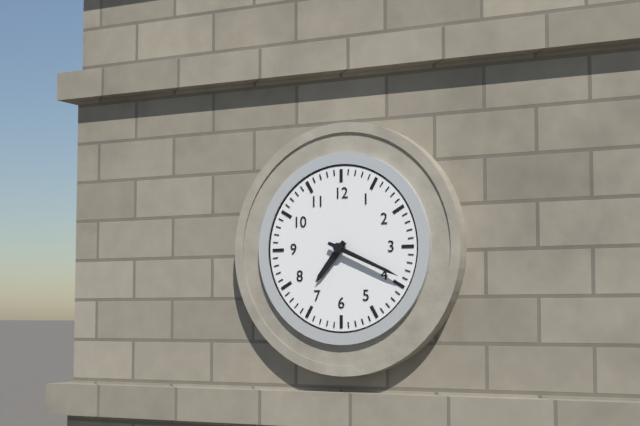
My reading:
{"hour": 7, "minute": 19}
